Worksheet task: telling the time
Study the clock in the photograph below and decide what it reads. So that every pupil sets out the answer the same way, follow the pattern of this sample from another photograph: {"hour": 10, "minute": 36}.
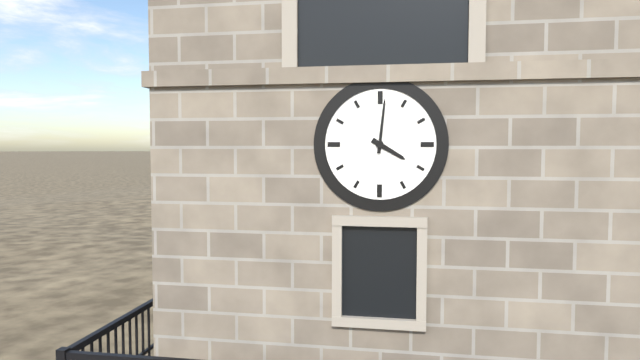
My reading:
{"hour": 4, "minute": 1}
